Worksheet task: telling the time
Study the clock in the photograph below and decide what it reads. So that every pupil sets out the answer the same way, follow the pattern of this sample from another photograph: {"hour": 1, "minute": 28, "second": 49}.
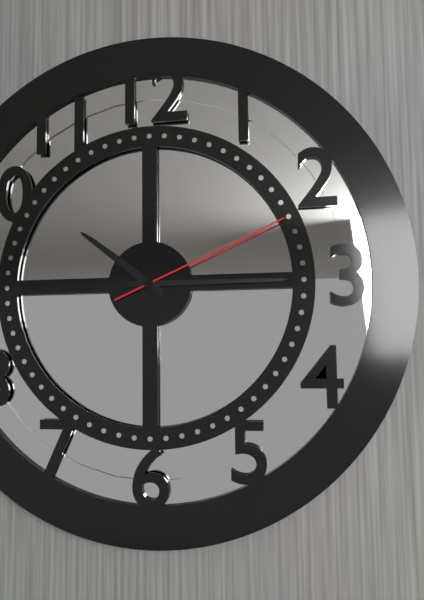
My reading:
{"hour": 10, "minute": 15, "second": 11}
